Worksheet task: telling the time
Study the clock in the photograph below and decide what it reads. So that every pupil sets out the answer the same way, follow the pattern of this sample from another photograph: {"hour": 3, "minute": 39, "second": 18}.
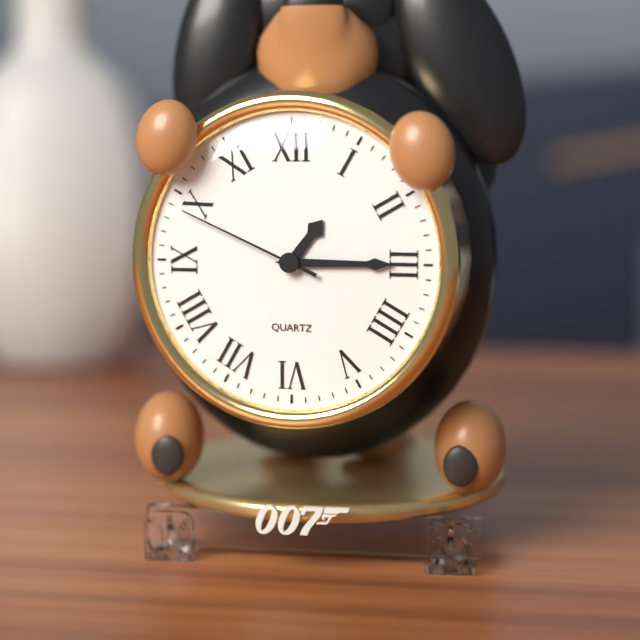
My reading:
{"hour": 1, "minute": 15, "second": 49}
